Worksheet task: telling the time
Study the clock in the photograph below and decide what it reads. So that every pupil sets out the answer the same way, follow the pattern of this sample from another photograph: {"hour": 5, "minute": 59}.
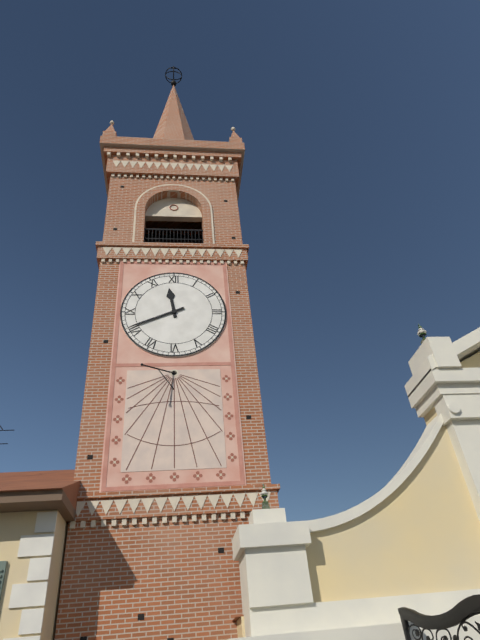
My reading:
{"hour": 11, "minute": 41}
